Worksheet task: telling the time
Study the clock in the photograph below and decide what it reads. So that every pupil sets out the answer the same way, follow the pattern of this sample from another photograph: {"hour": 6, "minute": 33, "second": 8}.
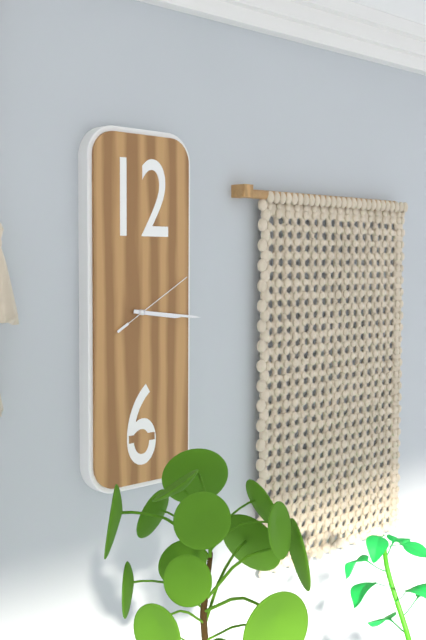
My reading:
{"hour": 3, "minute": 16, "second": 10}
